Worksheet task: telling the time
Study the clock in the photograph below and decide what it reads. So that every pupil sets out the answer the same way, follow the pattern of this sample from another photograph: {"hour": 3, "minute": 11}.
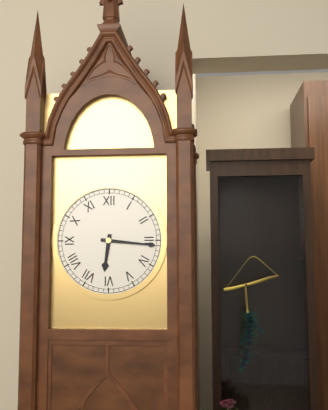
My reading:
{"hour": 6, "minute": 16}
